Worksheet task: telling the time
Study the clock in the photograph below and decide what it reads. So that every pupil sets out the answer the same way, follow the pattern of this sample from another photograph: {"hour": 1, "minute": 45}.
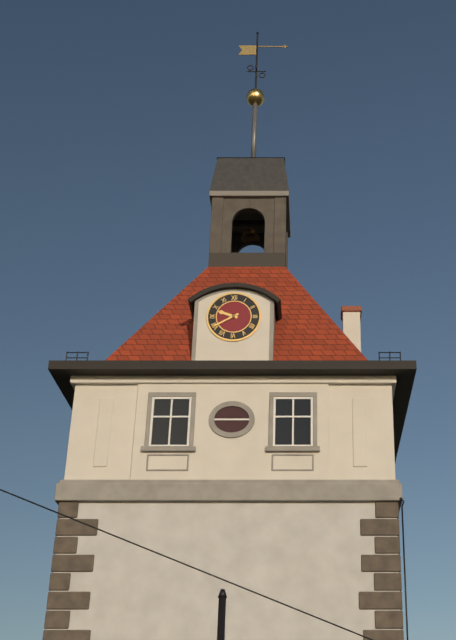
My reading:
{"hour": 9, "minute": 40}
